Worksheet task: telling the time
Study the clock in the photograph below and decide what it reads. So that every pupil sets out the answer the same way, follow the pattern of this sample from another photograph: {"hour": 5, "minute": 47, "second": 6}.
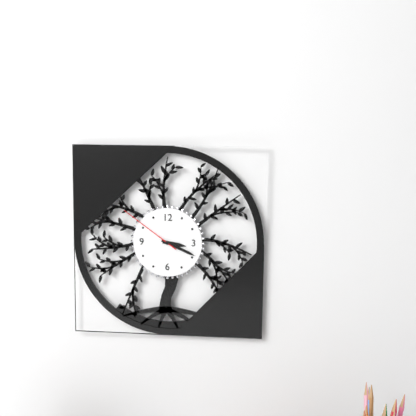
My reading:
{"hour": 3, "minute": 19, "second": 51}
